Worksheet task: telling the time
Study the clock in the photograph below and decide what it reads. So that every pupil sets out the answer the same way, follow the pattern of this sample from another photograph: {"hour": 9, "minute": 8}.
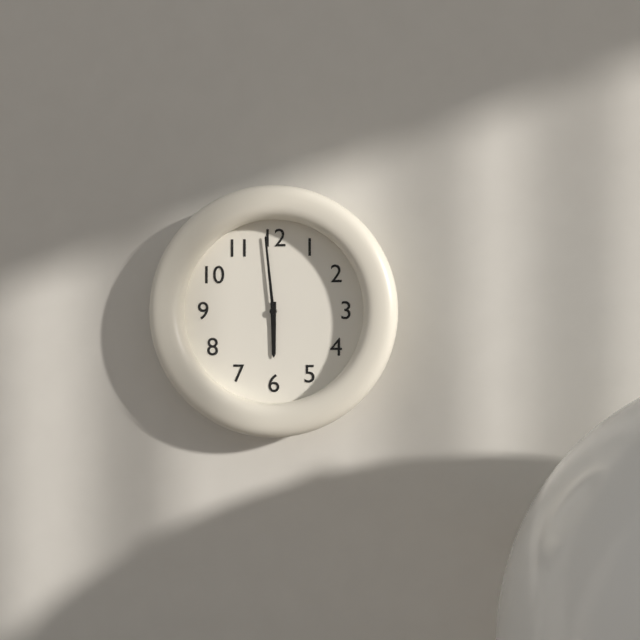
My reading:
{"hour": 5, "minute": 59}
